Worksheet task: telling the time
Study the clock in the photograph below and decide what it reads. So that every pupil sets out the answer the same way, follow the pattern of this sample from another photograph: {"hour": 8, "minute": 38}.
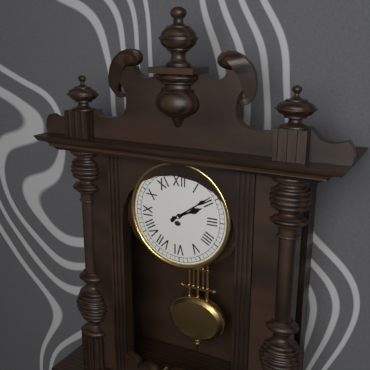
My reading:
{"hour": 2, "minute": 9}
